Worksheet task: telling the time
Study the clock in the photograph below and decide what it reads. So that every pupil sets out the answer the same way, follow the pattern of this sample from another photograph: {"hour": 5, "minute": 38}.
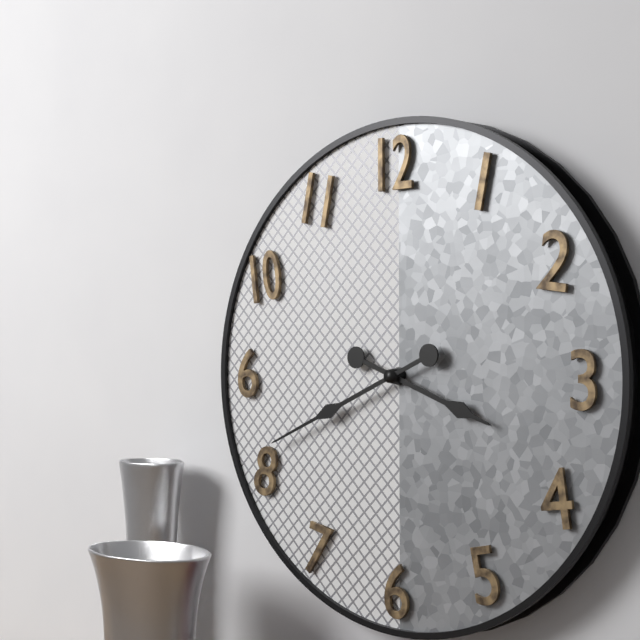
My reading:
{"hour": 3, "minute": 41}
